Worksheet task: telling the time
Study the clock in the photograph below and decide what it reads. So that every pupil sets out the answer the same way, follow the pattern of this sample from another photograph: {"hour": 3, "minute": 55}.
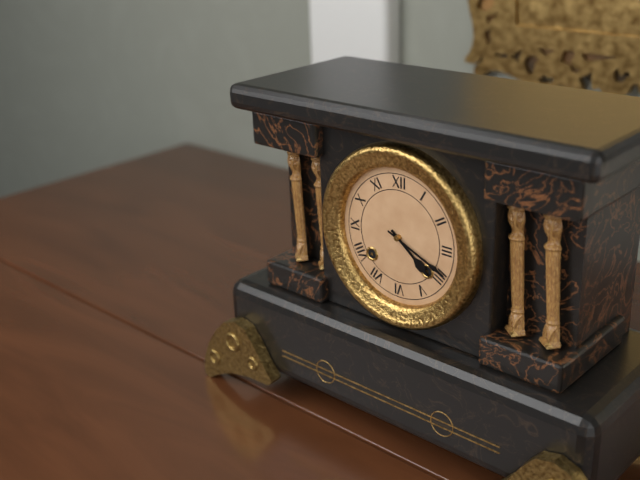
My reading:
{"hour": 4, "minute": 19}
